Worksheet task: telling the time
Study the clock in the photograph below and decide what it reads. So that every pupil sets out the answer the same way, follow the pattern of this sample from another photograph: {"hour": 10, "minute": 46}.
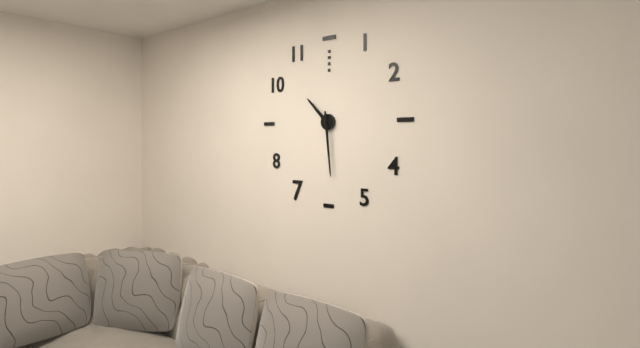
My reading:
{"hour": 10, "minute": 29}
